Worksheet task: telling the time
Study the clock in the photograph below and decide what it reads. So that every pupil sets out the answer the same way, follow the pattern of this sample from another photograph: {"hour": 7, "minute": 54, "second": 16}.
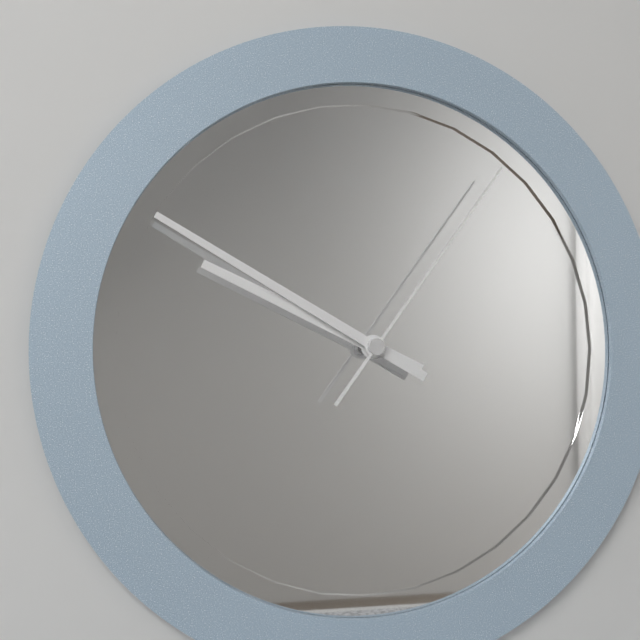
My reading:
{"hour": 9, "minute": 50, "second": 6}
